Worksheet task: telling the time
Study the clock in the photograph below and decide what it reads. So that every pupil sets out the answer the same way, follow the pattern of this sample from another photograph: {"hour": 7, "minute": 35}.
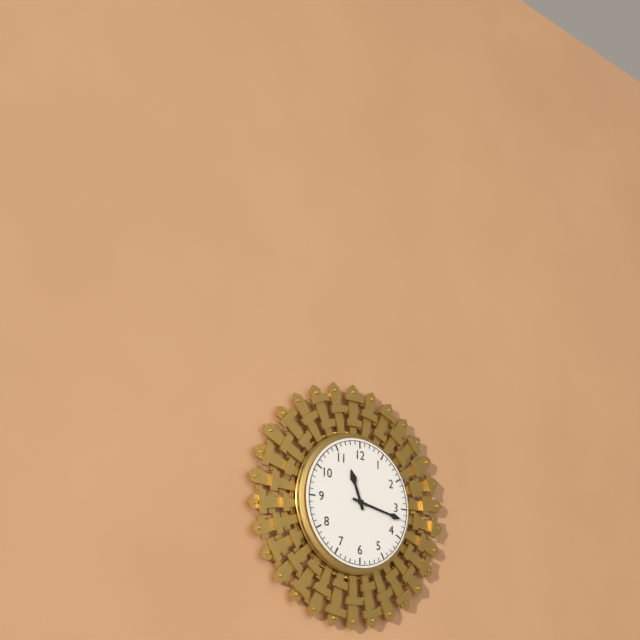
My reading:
{"hour": 11, "minute": 17}
